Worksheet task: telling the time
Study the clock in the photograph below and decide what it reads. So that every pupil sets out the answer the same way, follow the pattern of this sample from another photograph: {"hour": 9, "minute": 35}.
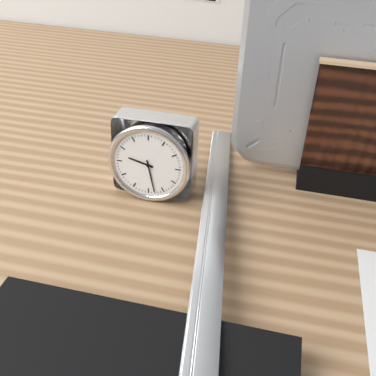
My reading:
{"hour": 9, "minute": 28}
